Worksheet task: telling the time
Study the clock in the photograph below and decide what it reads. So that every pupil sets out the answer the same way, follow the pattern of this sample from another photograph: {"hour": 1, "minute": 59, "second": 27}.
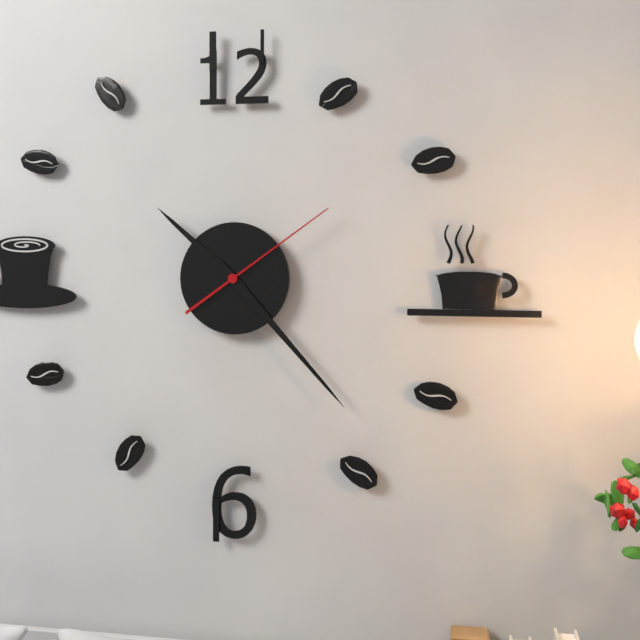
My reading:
{"hour": 10, "minute": 23, "second": 9}
